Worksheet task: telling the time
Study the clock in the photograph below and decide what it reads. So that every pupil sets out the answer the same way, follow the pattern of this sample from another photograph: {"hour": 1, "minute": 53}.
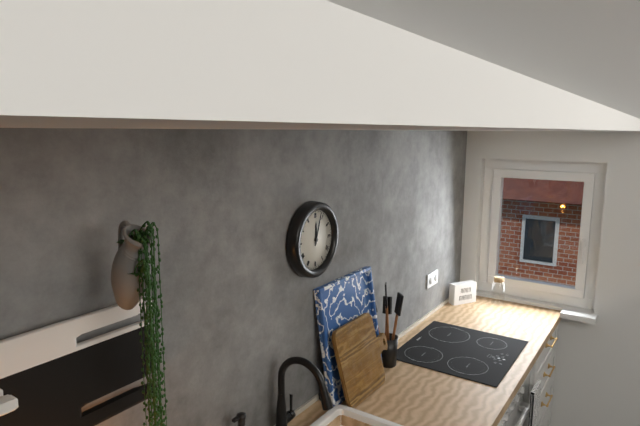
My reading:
{"hour": 12, "minute": 3}
